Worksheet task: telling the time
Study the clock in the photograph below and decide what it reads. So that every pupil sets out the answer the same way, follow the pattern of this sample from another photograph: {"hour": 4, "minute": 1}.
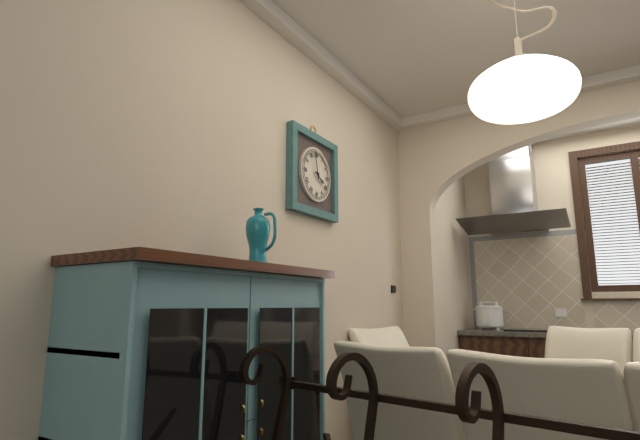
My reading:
{"hour": 3, "minute": 58}
